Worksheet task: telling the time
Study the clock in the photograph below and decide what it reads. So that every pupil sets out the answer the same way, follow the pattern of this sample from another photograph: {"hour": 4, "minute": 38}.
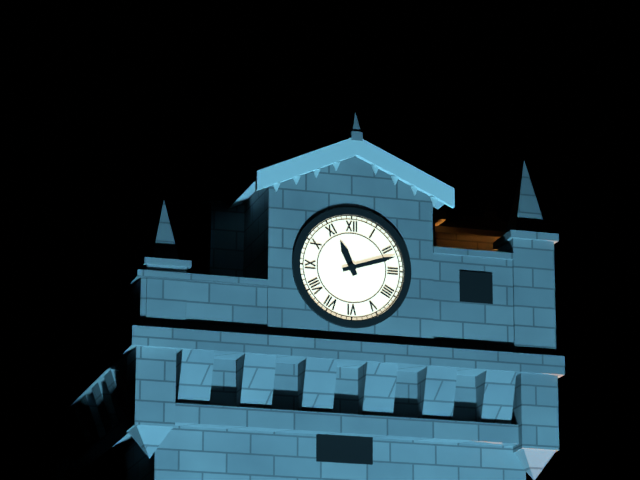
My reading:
{"hour": 11, "minute": 12}
